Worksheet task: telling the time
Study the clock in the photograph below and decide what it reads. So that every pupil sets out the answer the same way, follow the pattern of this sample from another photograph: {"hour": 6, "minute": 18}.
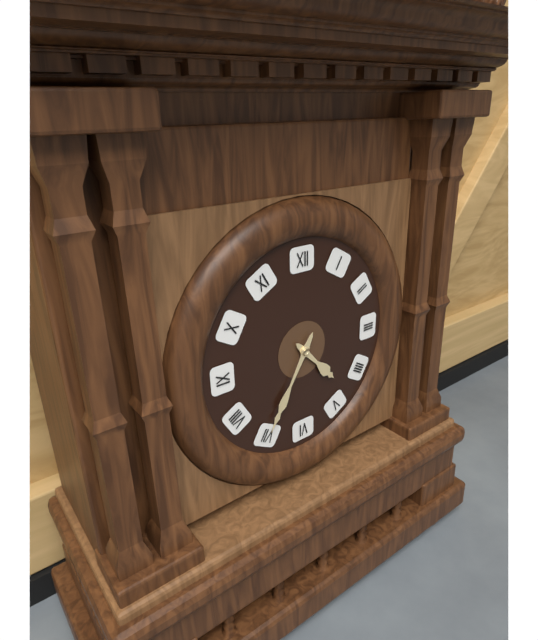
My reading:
{"hour": 4, "minute": 35}
